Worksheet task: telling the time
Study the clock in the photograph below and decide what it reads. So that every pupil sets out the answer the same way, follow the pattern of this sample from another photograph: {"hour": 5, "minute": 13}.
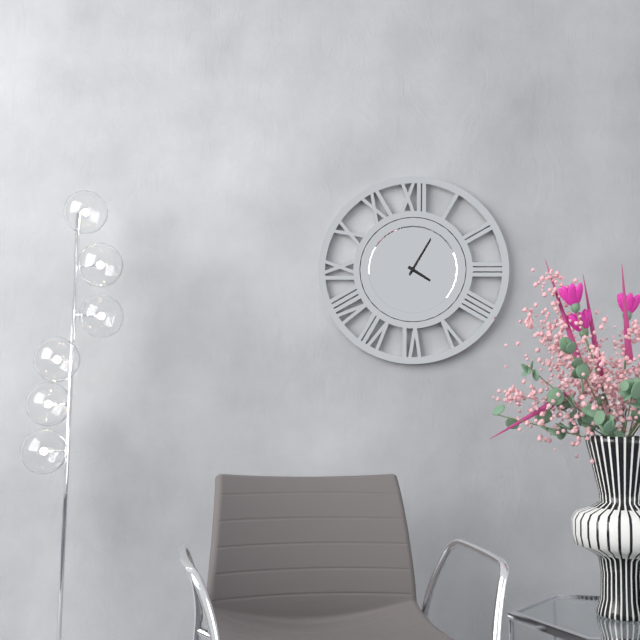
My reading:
{"hour": 4, "minute": 5}
